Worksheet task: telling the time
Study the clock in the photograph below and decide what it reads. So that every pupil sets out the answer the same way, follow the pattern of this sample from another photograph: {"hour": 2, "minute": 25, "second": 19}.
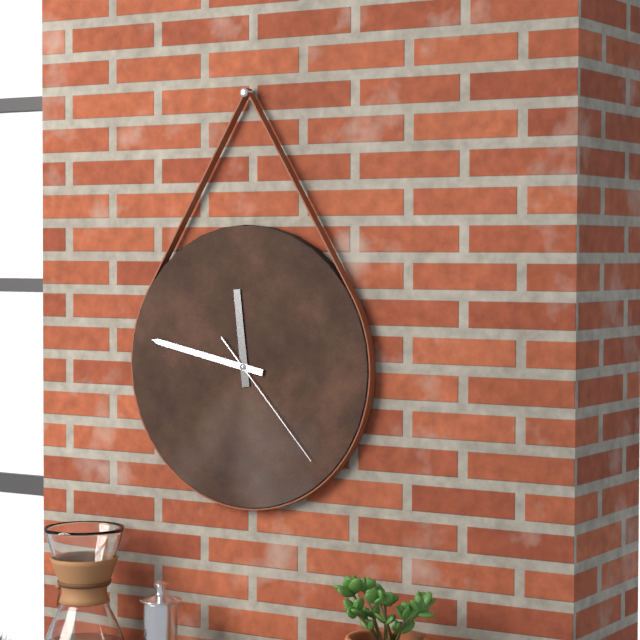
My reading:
{"hour": 11, "minute": 47, "second": 23}
